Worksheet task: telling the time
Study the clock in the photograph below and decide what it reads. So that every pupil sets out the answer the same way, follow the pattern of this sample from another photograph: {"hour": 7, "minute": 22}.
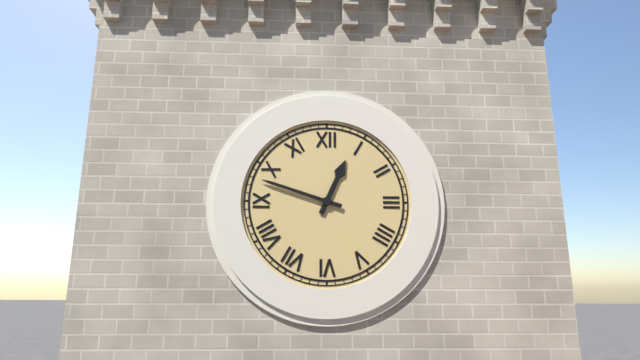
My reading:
{"hour": 12, "minute": 48}
